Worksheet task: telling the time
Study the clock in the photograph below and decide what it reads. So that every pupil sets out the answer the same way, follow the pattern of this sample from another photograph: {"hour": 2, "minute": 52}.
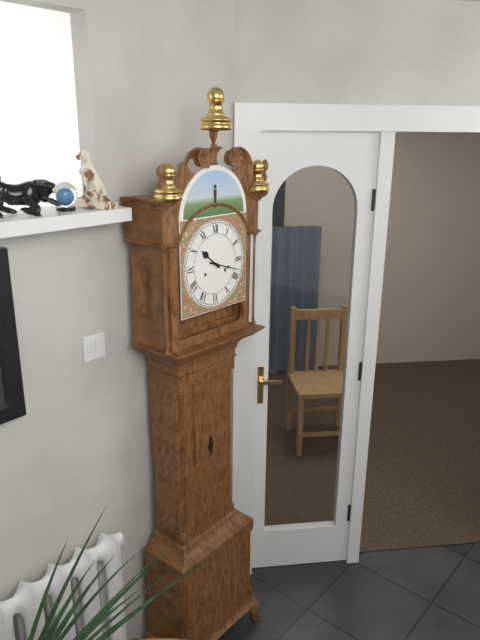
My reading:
{"hour": 10, "minute": 18}
